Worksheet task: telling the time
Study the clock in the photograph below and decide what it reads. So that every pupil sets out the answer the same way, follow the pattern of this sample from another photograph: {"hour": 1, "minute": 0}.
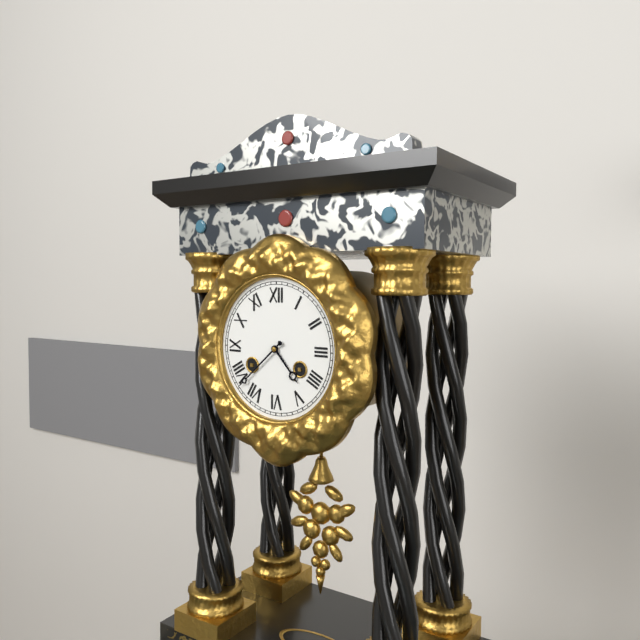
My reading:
{"hour": 4, "minute": 38}
